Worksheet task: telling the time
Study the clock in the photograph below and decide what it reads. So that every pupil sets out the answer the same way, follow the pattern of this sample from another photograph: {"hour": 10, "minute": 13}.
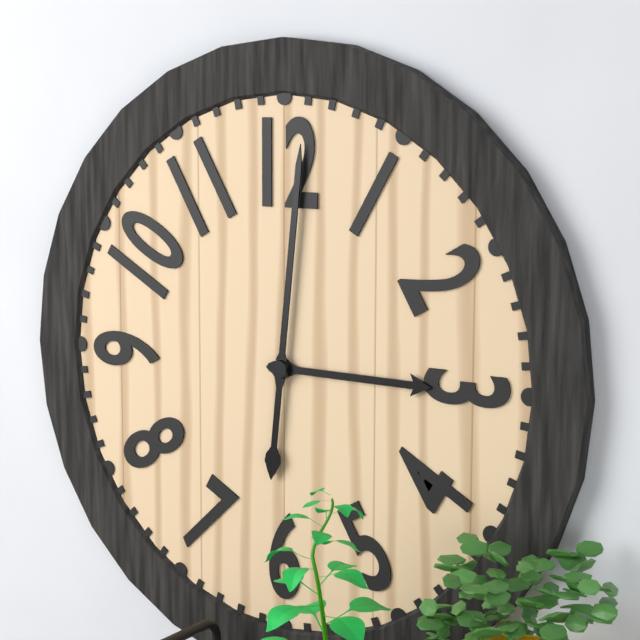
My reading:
{"hour": 3, "minute": 1}
